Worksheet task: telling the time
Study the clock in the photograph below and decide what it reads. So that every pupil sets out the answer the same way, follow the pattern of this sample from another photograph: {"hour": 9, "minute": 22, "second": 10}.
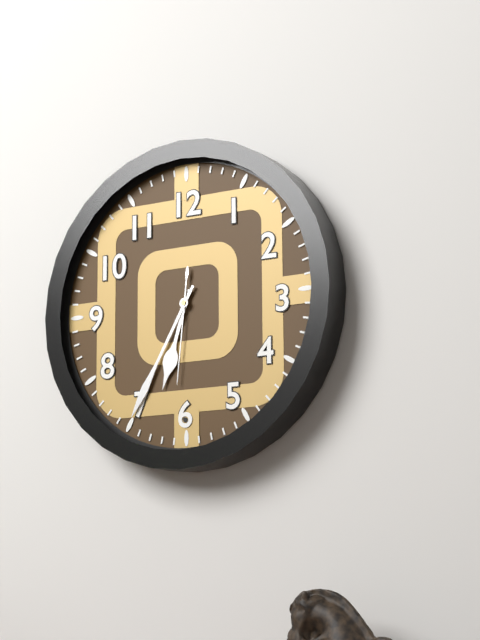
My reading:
{"hour": 6, "minute": 35, "second": 31}
